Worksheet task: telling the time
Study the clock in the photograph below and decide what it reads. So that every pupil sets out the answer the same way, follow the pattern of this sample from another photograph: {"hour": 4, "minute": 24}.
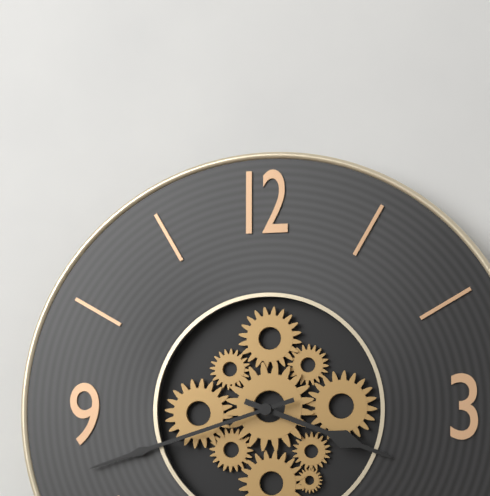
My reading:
{"hour": 3, "minute": 42}
